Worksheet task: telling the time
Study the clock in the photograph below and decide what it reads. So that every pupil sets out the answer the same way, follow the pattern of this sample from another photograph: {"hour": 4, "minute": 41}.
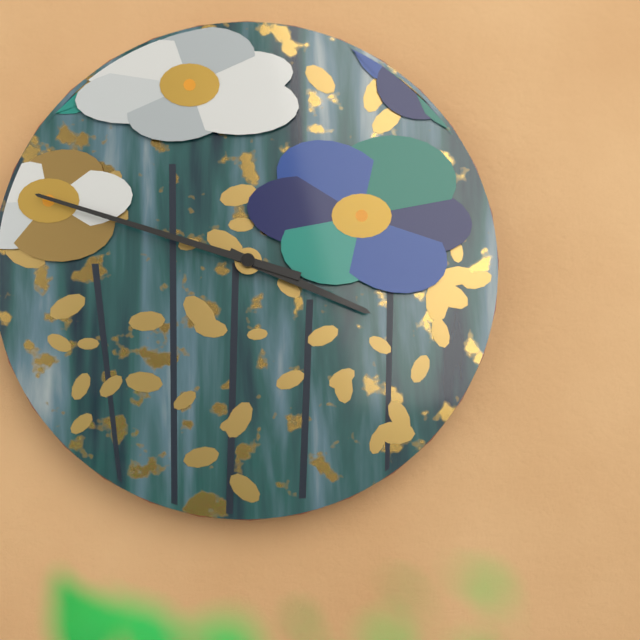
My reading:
{"hour": 3, "minute": 48}
